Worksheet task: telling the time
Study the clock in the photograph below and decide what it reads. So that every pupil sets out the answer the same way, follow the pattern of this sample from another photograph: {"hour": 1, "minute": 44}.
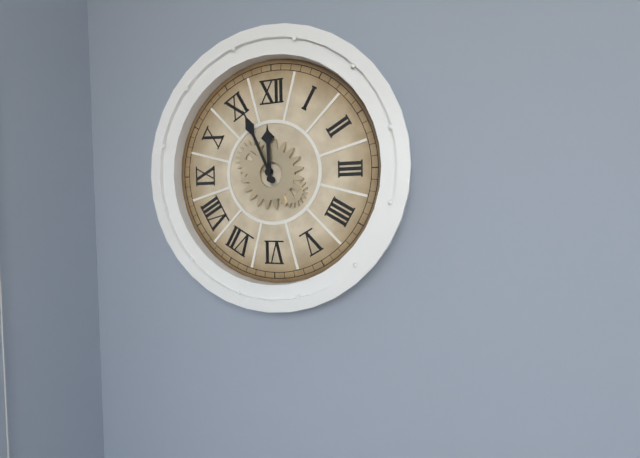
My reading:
{"hour": 11, "minute": 56}
